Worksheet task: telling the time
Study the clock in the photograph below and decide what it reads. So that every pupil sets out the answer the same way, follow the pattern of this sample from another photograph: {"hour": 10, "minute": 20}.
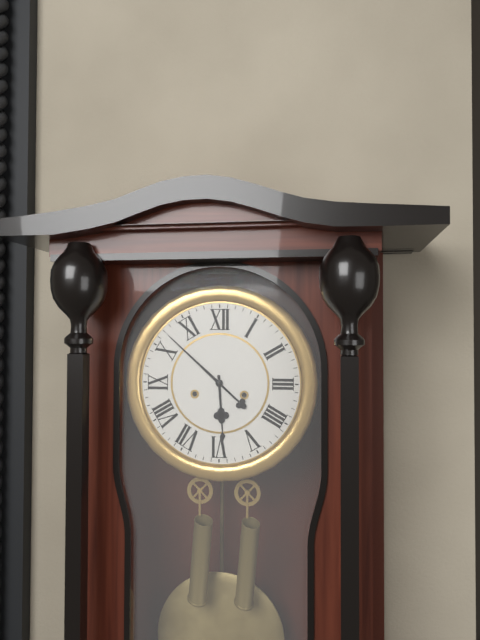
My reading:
{"hour": 5, "minute": 52}
